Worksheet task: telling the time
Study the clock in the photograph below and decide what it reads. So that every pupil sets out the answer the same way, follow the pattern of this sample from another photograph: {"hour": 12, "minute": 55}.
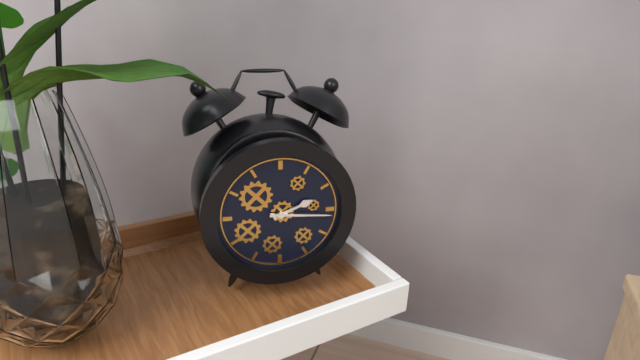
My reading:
{"hour": 2, "minute": 16}
